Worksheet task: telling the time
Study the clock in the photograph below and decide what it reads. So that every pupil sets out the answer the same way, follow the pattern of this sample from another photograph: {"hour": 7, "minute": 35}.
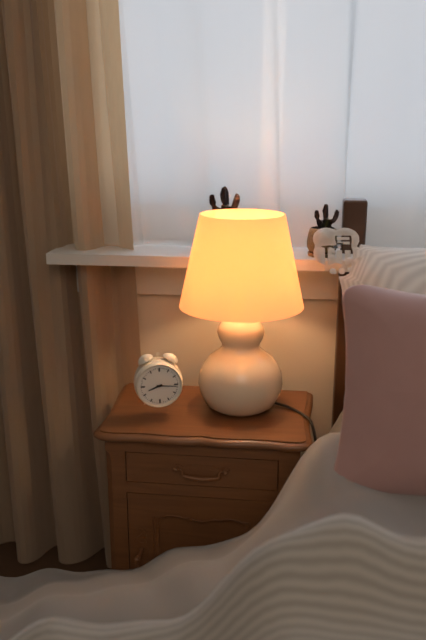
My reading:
{"hour": 8, "minute": 16}
